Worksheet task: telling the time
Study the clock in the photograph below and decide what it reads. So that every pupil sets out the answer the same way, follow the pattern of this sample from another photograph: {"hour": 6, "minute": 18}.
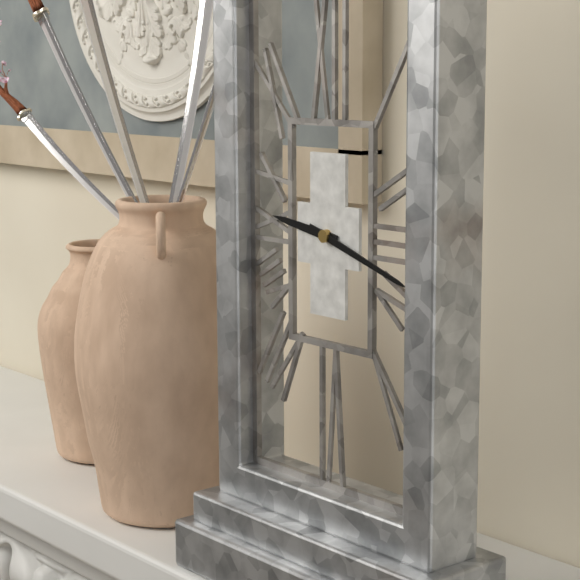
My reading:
{"hour": 9, "minute": 18}
